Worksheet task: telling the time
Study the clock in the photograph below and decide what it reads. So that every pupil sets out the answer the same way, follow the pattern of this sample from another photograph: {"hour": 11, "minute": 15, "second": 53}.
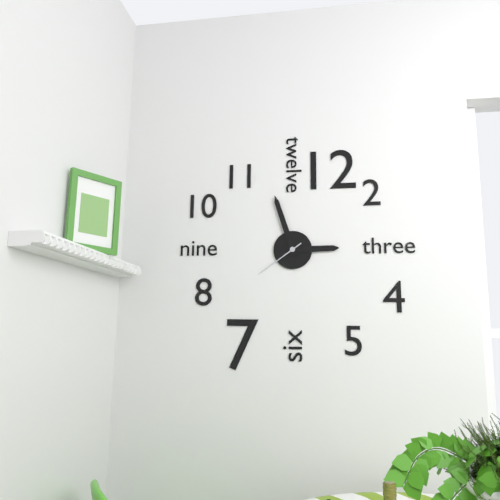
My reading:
{"hour": 2, "minute": 57, "second": 39}
